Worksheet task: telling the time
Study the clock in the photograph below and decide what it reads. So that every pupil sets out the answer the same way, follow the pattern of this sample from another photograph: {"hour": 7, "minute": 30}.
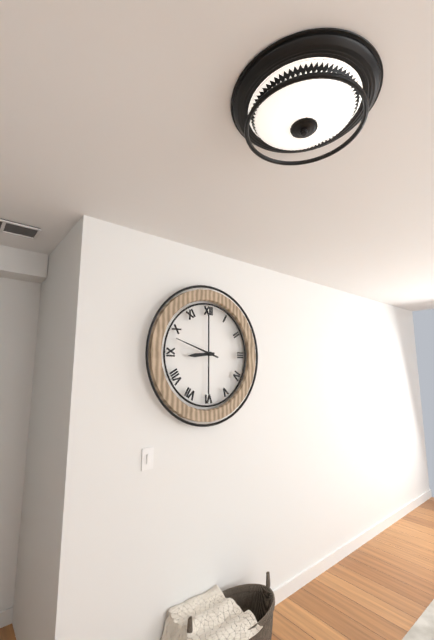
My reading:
{"hour": 8, "minute": 48}
